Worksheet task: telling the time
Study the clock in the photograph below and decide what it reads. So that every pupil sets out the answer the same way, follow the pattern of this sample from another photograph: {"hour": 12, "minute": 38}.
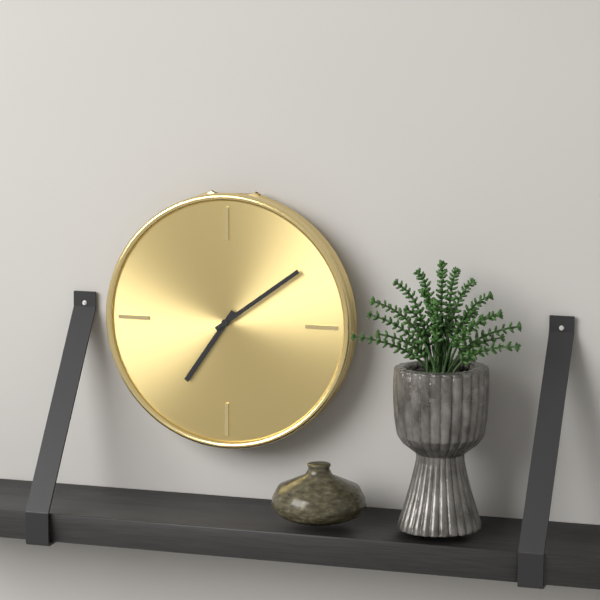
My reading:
{"hour": 7, "minute": 9}
